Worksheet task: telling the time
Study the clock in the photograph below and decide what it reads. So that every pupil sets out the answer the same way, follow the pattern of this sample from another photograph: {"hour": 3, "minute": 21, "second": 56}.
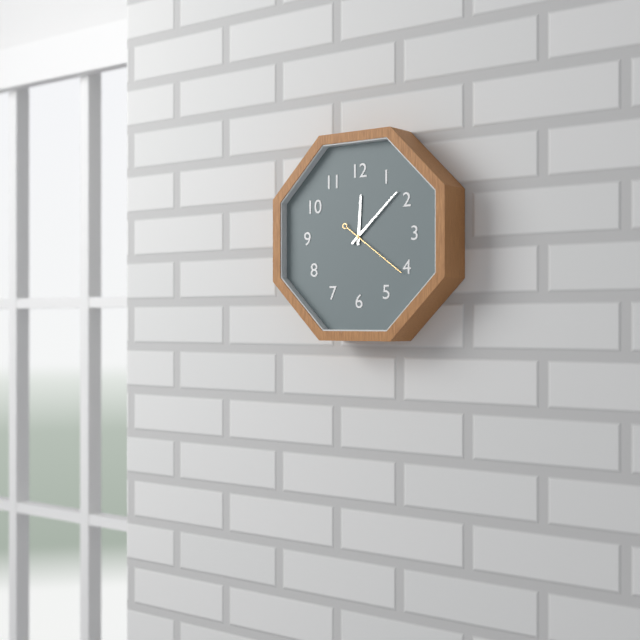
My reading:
{"hour": 12, "minute": 8, "second": 21}
